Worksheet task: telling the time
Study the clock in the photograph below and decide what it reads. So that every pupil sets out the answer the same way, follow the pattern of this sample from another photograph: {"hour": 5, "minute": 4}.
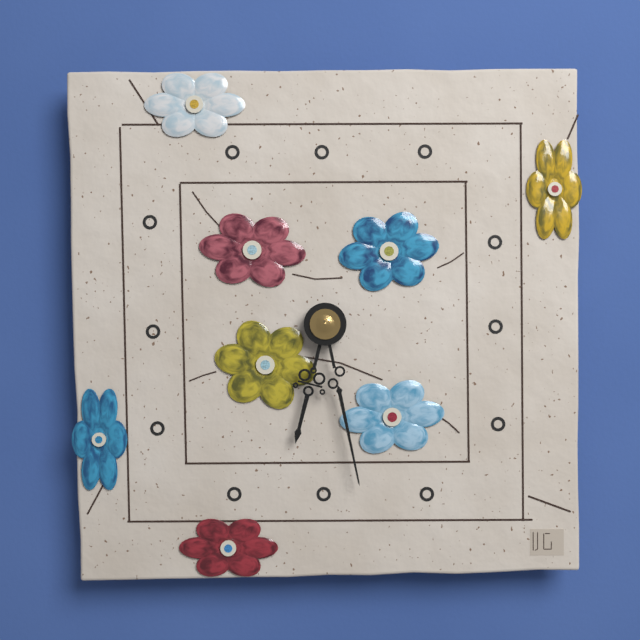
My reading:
{"hour": 6, "minute": 28}
